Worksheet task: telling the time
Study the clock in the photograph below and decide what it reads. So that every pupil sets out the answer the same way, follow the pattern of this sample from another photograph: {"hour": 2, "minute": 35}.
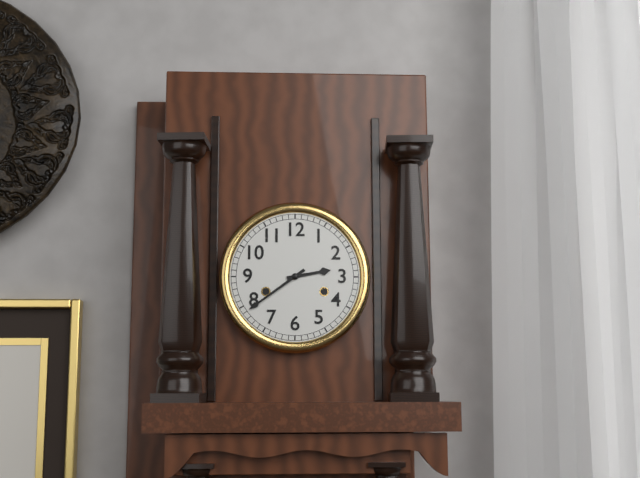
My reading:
{"hour": 2, "minute": 39}
